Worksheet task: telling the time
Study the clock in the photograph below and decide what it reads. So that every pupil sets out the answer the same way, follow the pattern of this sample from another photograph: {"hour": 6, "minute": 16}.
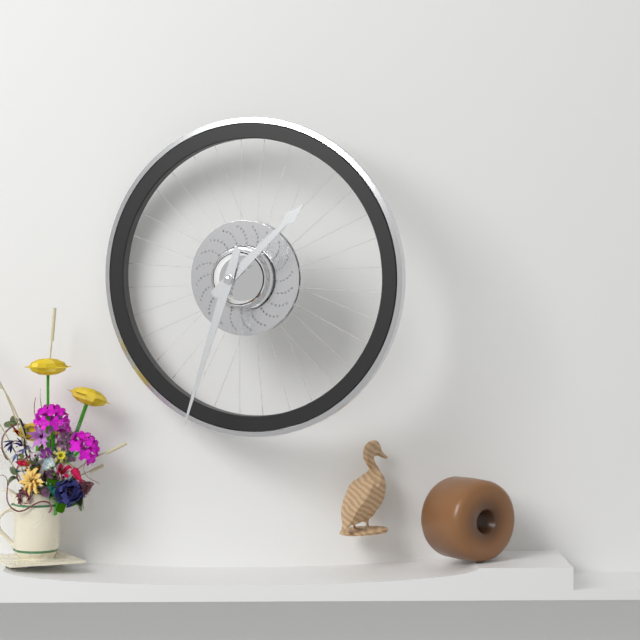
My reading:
{"hour": 1, "minute": 33}
